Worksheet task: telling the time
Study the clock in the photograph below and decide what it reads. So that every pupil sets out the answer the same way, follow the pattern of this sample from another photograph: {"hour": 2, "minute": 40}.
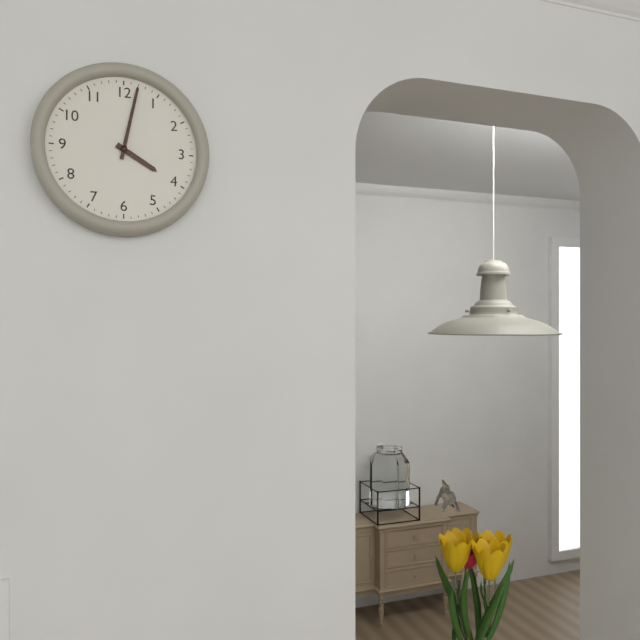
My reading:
{"hour": 4, "minute": 2}
